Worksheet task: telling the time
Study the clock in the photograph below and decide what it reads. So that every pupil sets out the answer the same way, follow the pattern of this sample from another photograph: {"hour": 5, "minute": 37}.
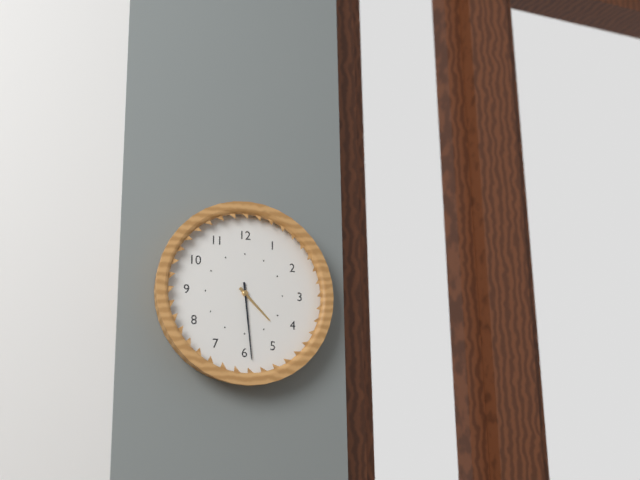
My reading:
{"hour": 4, "minute": 29}
